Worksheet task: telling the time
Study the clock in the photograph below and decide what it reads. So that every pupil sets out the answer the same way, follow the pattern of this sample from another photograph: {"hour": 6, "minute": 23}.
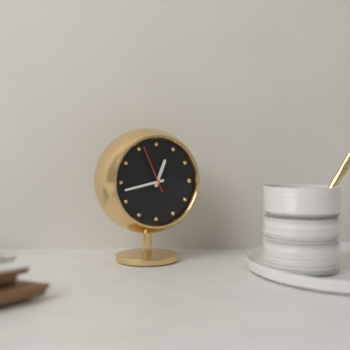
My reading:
{"hour": 12, "minute": 43}
